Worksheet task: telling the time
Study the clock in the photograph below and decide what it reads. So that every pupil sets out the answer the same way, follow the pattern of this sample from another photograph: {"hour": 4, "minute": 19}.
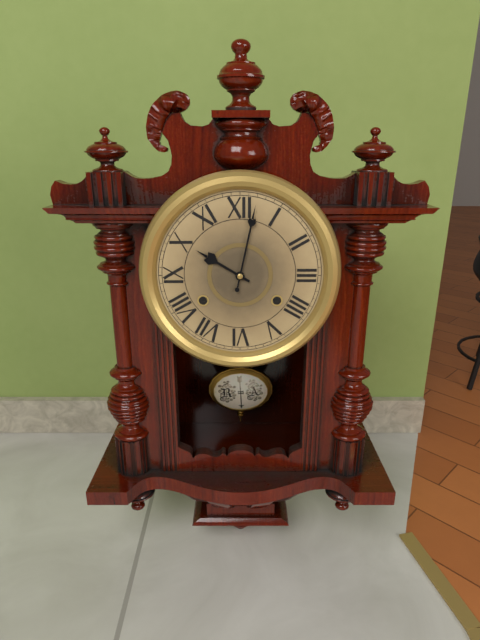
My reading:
{"hour": 10, "minute": 2}
